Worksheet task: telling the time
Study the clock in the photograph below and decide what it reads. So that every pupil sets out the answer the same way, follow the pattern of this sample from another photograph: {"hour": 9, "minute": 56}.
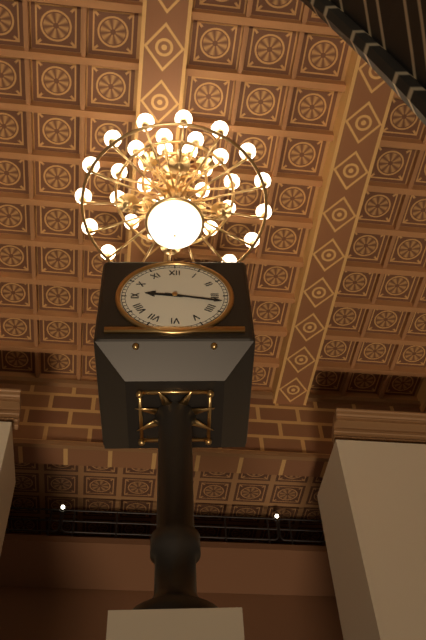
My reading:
{"hour": 9, "minute": 17}
